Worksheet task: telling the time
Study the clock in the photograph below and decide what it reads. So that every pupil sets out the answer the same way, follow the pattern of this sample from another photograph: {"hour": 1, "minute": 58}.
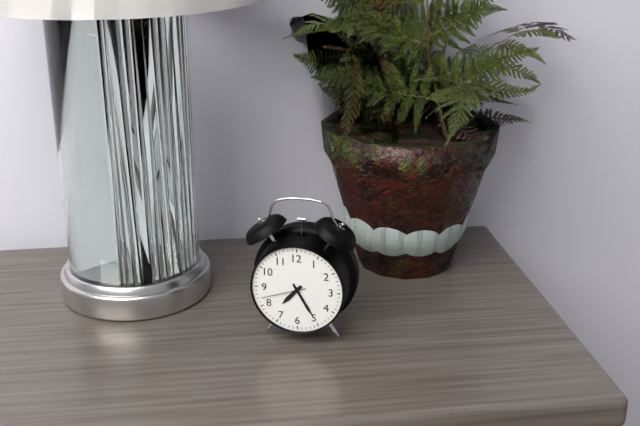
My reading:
{"hour": 7, "minute": 25}
